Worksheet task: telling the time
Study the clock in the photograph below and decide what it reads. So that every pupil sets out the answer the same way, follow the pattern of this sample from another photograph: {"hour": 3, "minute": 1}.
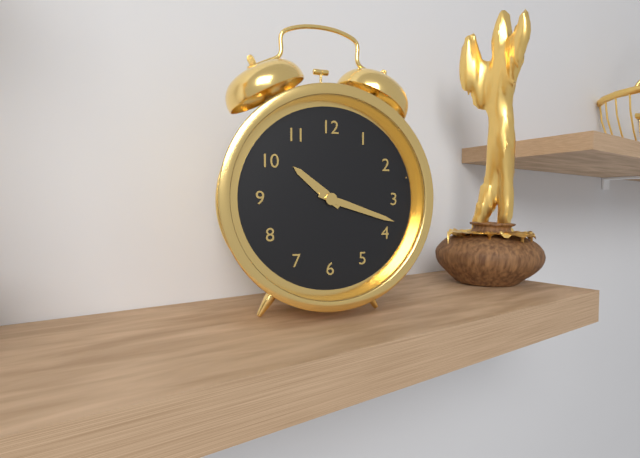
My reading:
{"hour": 10, "minute": 18}
